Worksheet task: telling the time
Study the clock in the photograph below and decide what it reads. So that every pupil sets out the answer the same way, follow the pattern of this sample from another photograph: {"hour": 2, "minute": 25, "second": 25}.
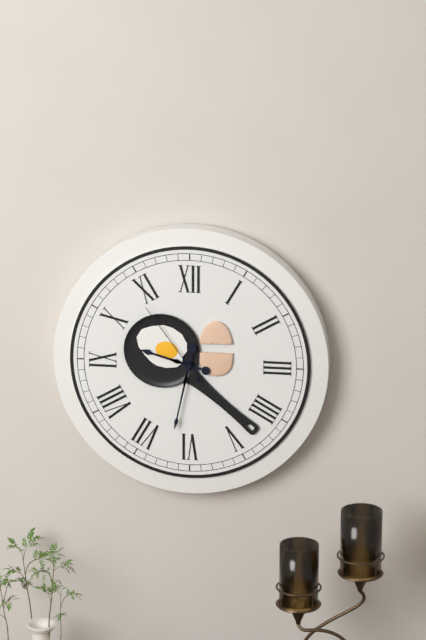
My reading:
{"hour": 9, "minute": 32, "second": 54}
